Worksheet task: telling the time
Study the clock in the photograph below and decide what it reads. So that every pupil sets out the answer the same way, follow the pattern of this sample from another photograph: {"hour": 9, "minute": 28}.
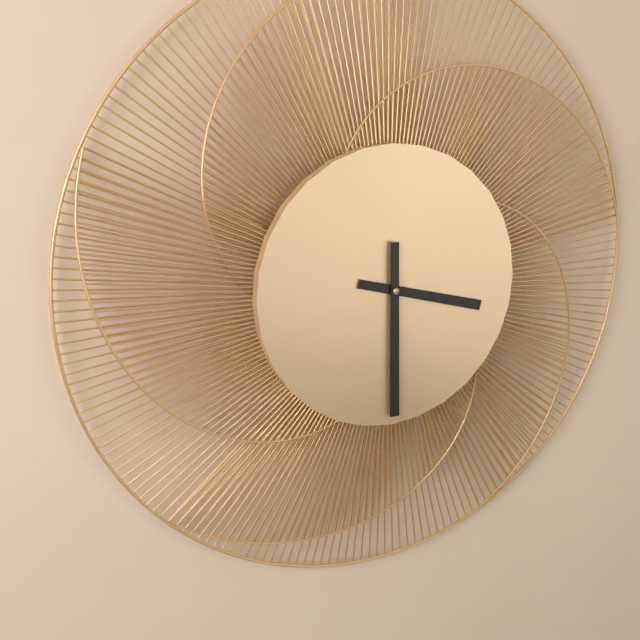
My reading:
{"hour": 3, "minute": 30}
